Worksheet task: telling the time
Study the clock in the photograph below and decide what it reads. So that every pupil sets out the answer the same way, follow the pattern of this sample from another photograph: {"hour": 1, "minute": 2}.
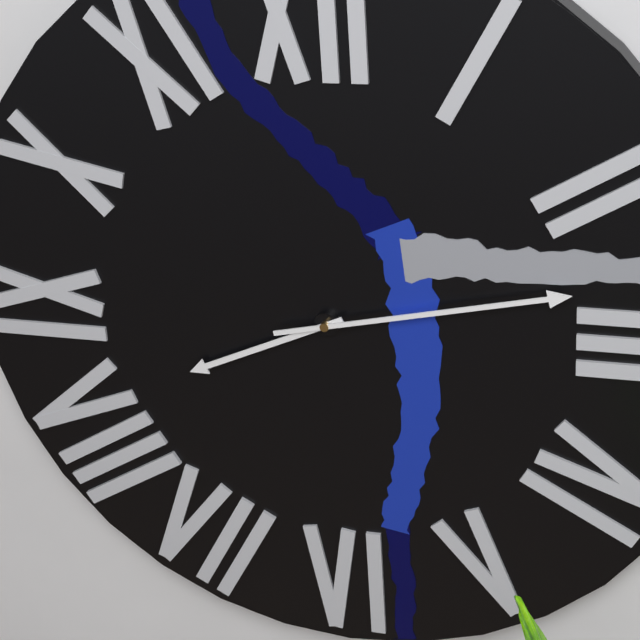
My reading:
{"hour": 8, "minute": 13}
